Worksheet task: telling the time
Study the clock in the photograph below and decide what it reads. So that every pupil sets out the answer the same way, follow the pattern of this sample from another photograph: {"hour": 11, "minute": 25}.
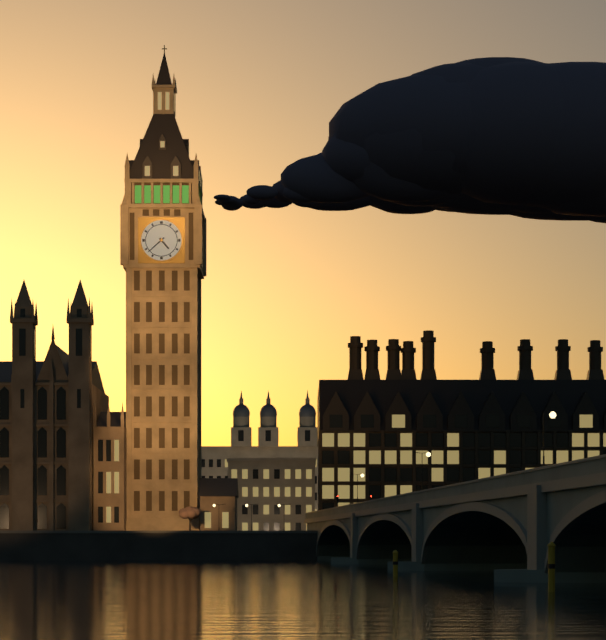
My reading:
{"hour": 4, "minute": 38}
